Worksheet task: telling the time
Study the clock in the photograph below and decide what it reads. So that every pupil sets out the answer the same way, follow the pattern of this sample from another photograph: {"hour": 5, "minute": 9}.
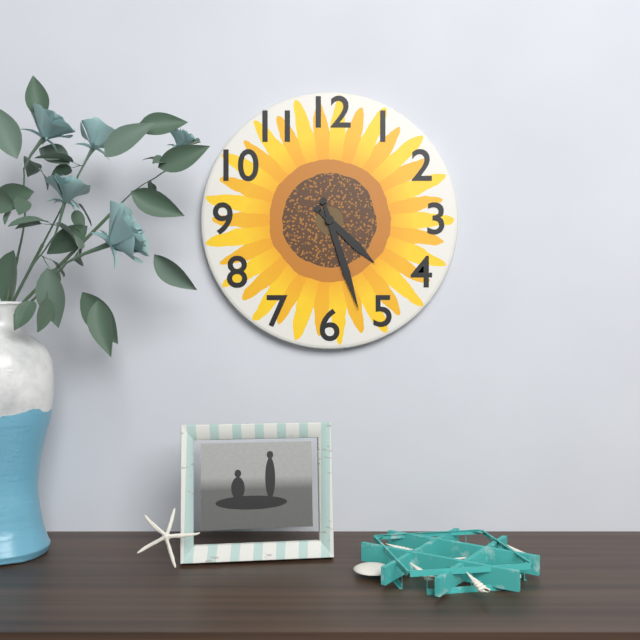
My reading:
{"hour": 4, "minute": 27}
